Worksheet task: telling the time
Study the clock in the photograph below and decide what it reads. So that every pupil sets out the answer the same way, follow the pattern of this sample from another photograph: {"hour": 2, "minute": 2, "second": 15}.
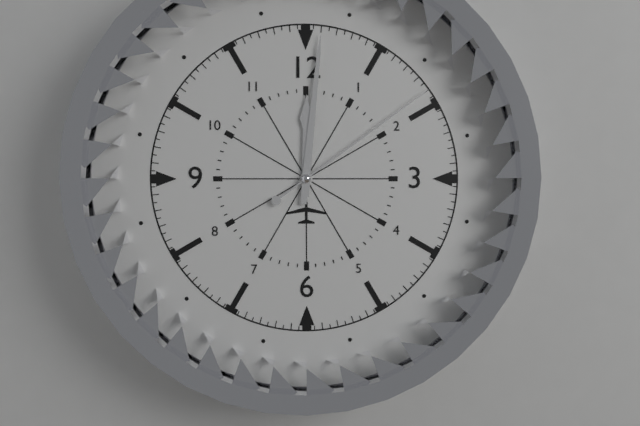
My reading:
{"hour": 12, "minute": 1, "second": 9}
